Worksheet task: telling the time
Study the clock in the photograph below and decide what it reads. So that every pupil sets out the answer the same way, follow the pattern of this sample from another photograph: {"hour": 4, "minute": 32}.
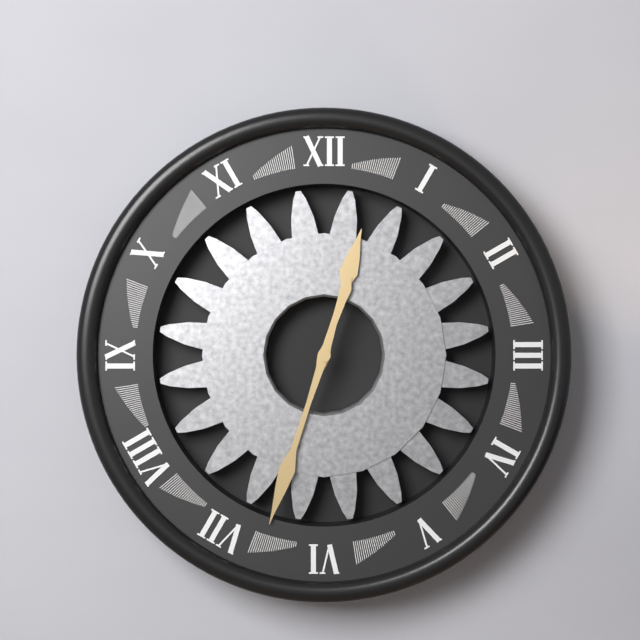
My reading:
{"hour": 12, "minute": 33}
